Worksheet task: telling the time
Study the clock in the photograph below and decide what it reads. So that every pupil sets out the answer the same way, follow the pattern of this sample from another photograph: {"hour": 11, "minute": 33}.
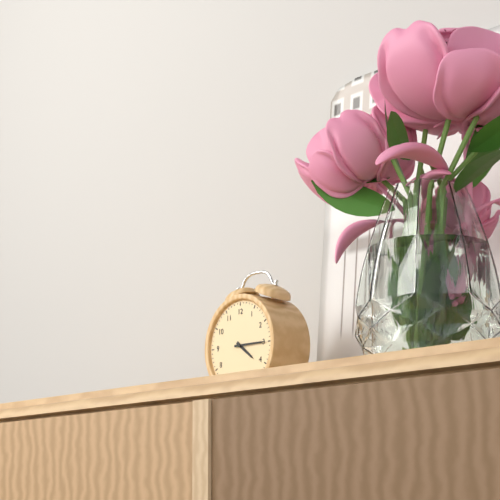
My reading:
{"hour": 4, "minute": 15}
